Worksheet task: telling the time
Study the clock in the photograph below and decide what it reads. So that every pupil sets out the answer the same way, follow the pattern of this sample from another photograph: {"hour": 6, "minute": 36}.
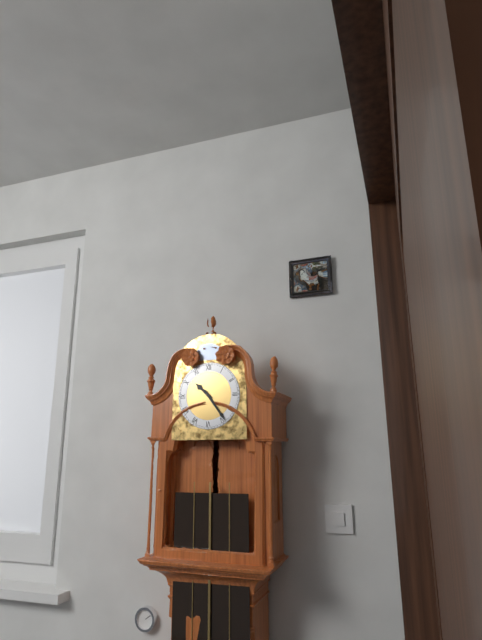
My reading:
{"hour": 10, "minute": 24}
